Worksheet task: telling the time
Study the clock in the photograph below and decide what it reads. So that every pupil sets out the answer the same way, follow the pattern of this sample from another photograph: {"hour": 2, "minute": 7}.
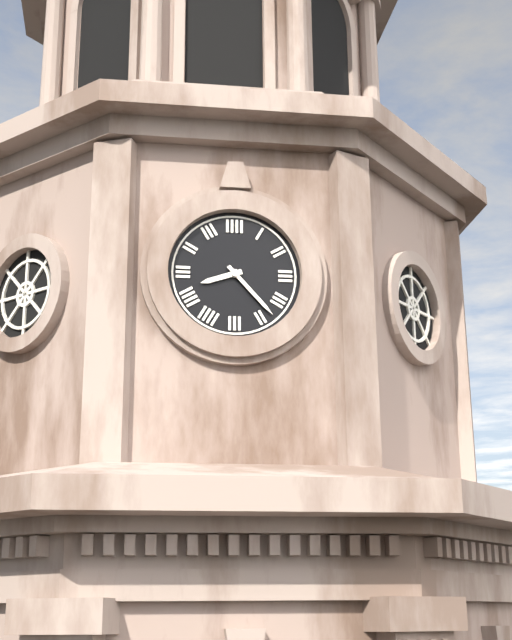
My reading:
{"hour": 8, "minute": 23}
